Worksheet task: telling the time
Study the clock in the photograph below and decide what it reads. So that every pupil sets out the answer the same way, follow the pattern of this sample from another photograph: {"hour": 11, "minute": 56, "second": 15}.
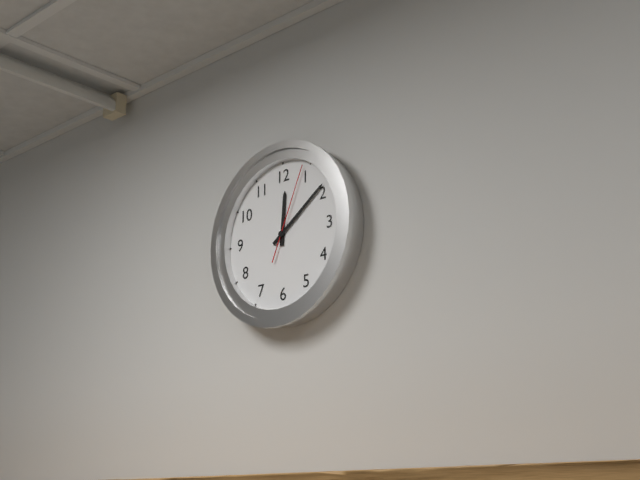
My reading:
{"hour": 12, "minute": 9, "second": 4}
